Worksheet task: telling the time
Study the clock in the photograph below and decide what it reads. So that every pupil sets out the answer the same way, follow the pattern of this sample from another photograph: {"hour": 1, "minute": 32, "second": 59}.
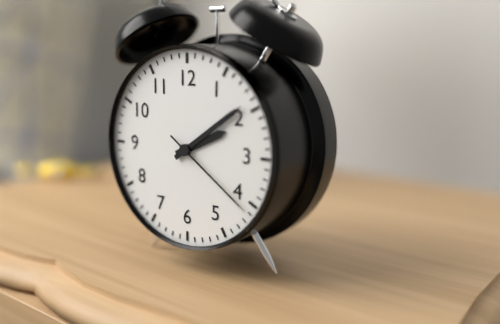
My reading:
{"hour": 2, "minute": 9, "second": 21}
